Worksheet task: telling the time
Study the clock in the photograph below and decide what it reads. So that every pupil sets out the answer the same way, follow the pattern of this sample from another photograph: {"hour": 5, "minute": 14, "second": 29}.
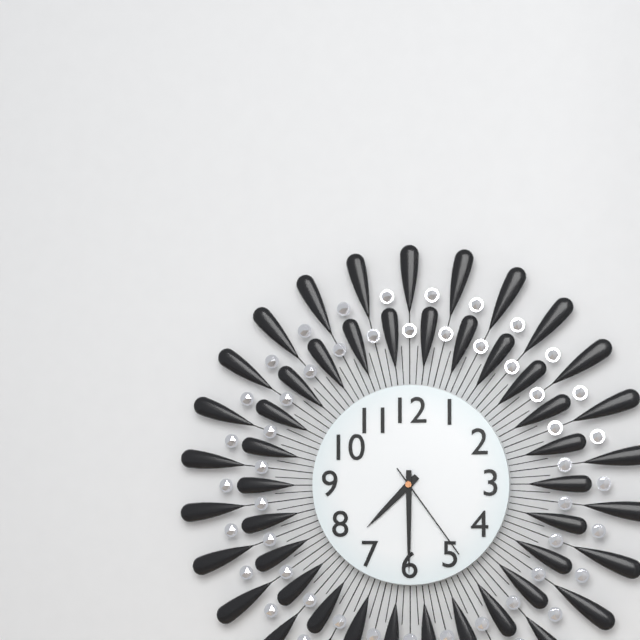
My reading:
{"hour": 7, "minute": 30, "second": 24}
